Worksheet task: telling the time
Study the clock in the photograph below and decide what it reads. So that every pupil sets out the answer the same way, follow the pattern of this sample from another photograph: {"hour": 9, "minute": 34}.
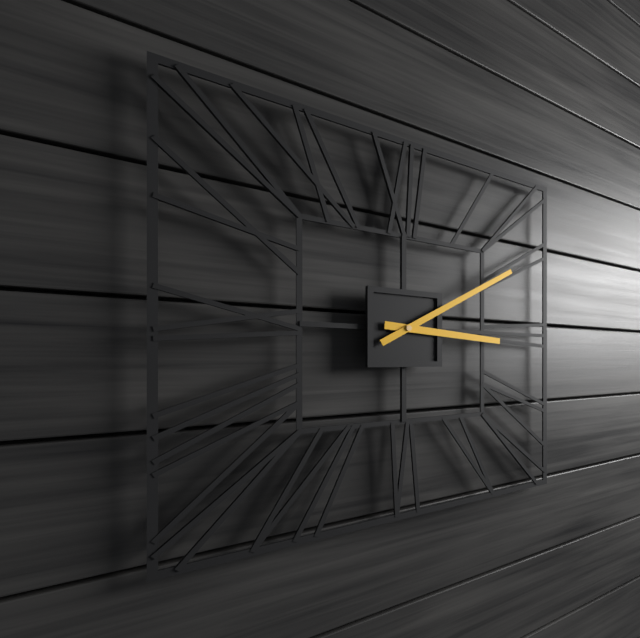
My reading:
{"hour": 3, "minute": 10}
